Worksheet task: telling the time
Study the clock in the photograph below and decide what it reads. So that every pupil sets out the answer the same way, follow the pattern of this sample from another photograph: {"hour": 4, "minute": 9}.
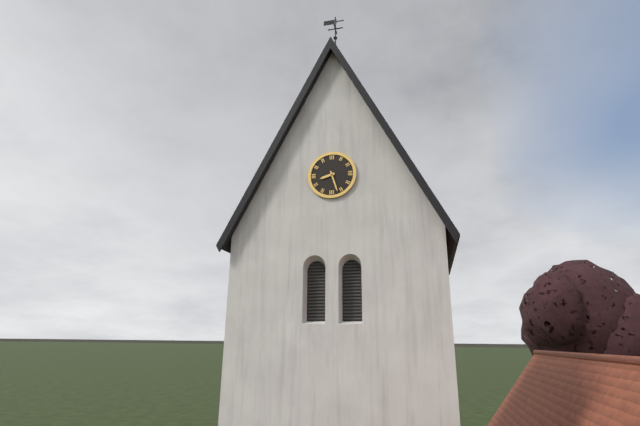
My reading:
{"hour": 8, "minute": 27}
